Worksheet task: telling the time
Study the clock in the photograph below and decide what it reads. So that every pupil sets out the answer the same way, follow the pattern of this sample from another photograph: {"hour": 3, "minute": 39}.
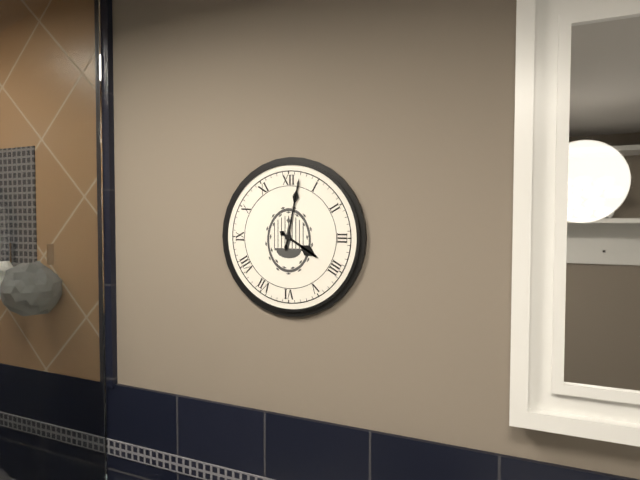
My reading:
{"hour": 4, "minute": 2}
